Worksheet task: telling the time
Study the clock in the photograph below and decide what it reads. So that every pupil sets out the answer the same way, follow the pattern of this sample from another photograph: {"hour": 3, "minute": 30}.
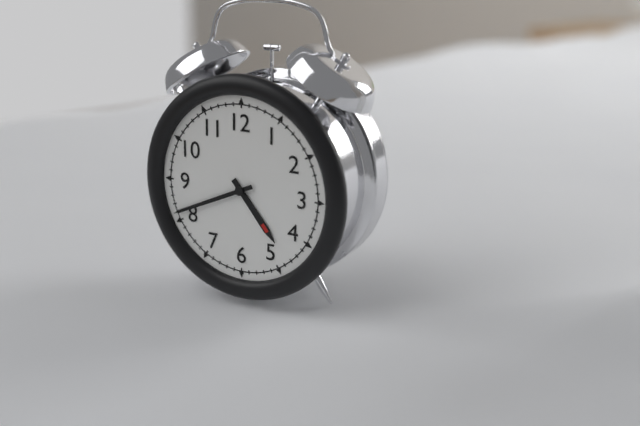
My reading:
{"hour": 4, "minute": 41}
